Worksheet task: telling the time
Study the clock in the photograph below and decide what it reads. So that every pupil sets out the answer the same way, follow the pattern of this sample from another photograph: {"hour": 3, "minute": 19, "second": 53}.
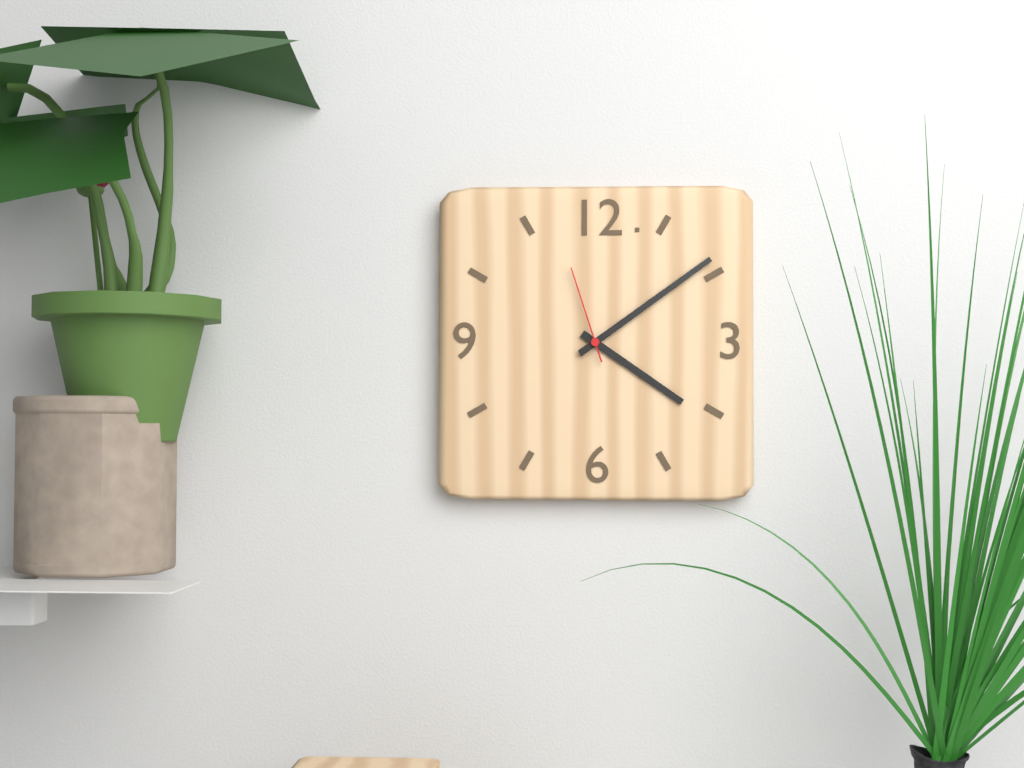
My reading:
{"hour": 4, "minute": 9, "second": 57}
